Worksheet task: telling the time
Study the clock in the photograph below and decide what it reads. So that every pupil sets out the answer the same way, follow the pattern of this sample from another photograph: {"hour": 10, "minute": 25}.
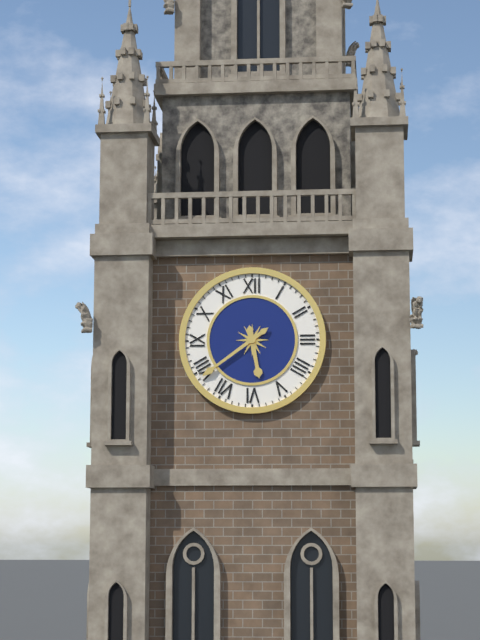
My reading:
{"hour": 5, "minute": 39}
